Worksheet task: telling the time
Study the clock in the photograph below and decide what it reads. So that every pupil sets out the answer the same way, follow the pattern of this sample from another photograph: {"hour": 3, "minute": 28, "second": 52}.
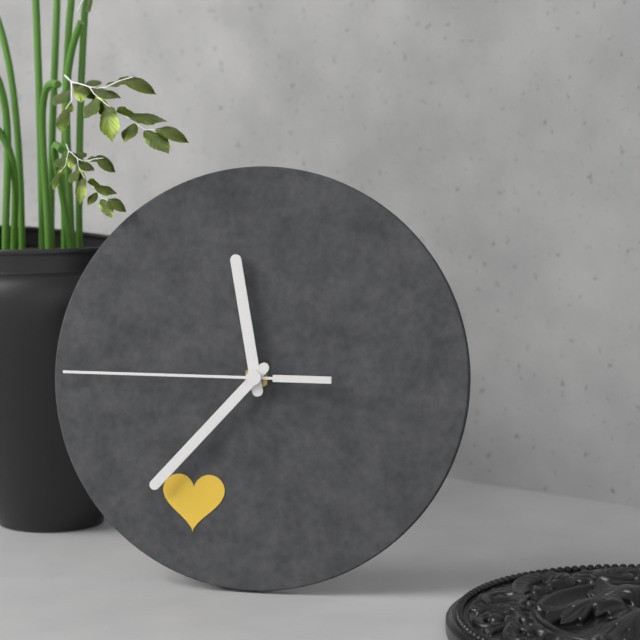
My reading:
{"hour": 11, "minute": 37, "second": 45}
